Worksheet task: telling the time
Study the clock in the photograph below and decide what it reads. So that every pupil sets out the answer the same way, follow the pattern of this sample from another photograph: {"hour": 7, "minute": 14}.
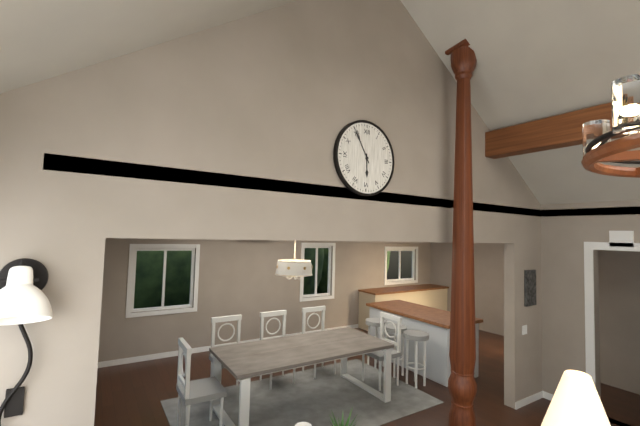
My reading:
{"hour": 5, "minute": 55}
